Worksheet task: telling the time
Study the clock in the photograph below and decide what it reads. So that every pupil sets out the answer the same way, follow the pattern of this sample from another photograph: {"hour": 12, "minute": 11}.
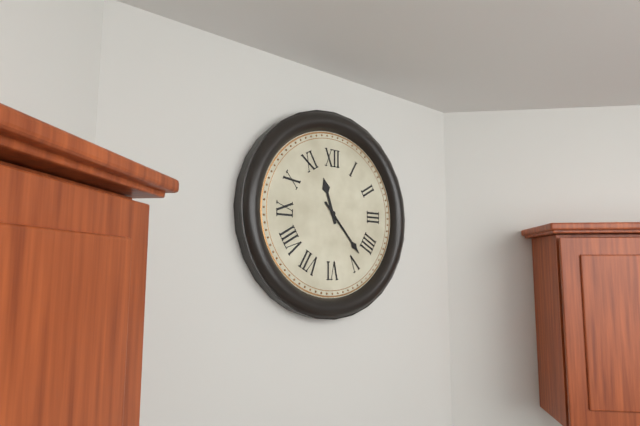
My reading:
{"hour": 11, "minute": 23}
